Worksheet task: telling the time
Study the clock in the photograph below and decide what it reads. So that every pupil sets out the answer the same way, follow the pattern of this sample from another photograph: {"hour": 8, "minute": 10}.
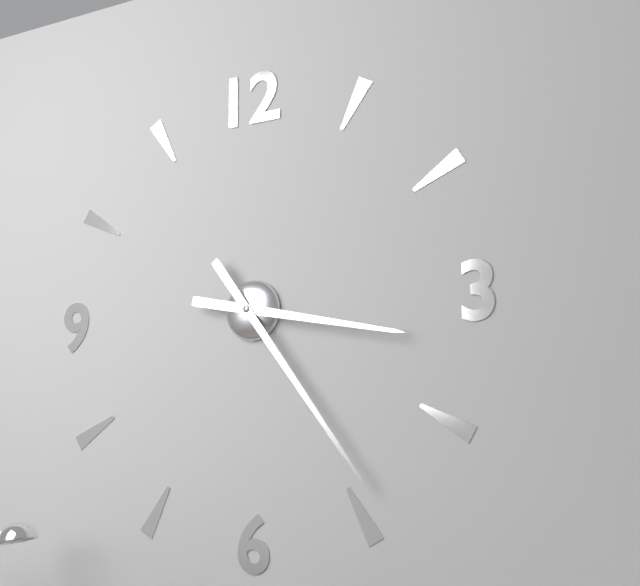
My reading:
{"hour": 3, "minute": 24}
